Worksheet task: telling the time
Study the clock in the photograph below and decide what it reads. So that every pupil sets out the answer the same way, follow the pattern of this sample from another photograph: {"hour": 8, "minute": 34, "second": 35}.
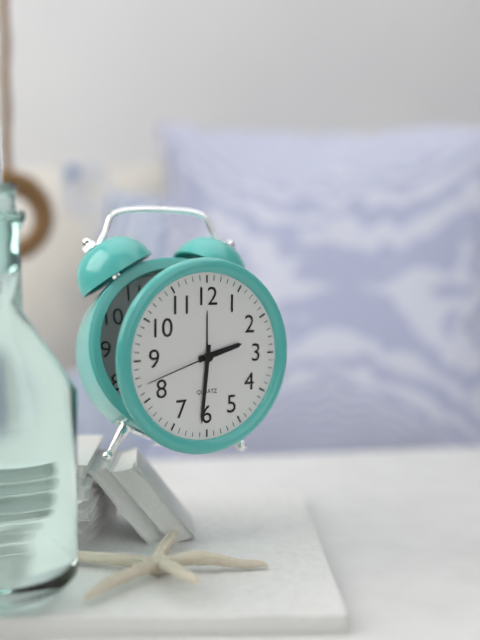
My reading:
{"hour": 2, "minute": 31, "second": 42}
